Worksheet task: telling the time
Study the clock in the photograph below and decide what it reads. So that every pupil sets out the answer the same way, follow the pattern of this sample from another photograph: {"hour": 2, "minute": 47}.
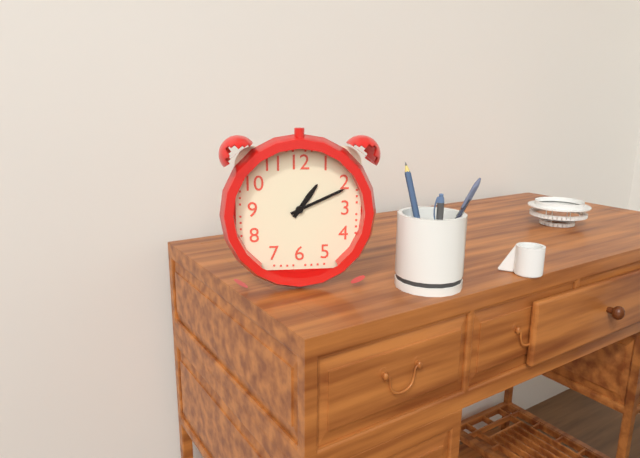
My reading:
{"hour": 1, "minute": 11}
